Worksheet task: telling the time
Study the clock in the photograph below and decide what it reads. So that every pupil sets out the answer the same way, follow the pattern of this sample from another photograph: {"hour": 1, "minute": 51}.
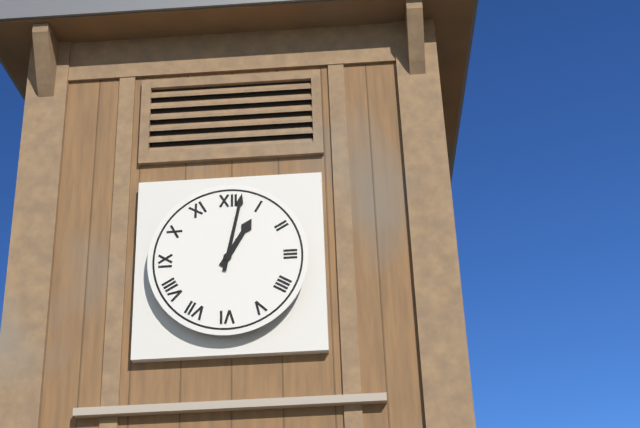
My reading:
{"hour": 1, "minute": 2}
